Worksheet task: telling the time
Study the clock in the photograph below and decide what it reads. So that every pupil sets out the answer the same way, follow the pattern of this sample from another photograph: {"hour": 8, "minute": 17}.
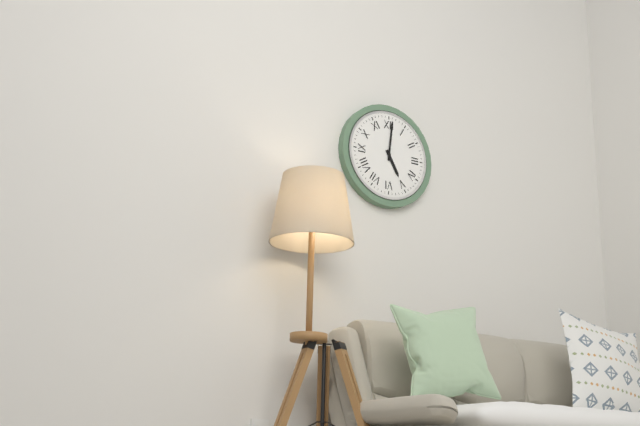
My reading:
{"hour": 5, "minute": 1}
